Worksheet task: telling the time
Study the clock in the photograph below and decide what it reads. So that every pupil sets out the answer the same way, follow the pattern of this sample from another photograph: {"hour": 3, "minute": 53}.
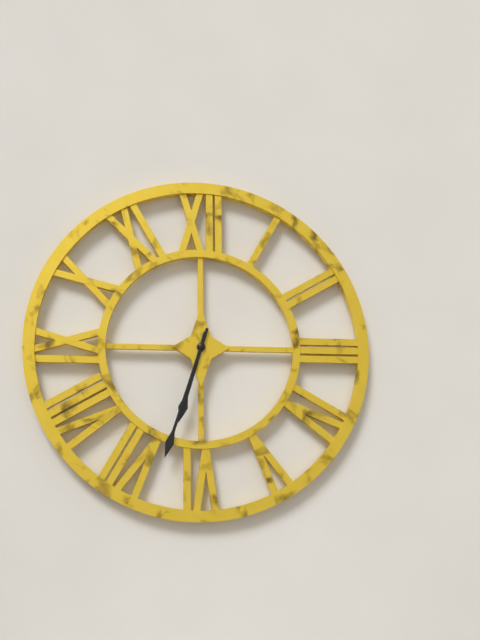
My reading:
{"hour": 6, "minute": 33}
